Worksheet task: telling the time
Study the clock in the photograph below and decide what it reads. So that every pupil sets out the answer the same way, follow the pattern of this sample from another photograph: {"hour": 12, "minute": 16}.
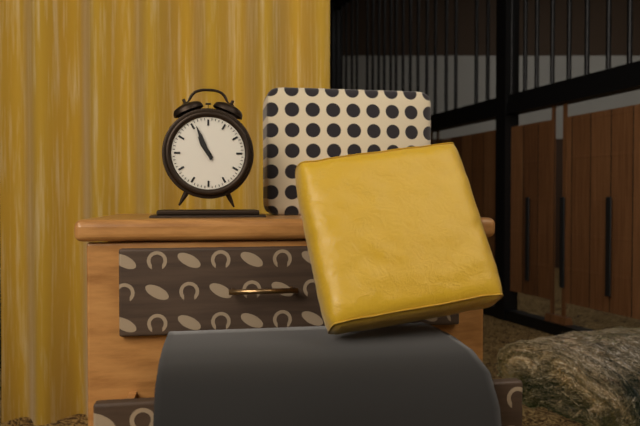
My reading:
{"hour": 10, "minute": 56}
